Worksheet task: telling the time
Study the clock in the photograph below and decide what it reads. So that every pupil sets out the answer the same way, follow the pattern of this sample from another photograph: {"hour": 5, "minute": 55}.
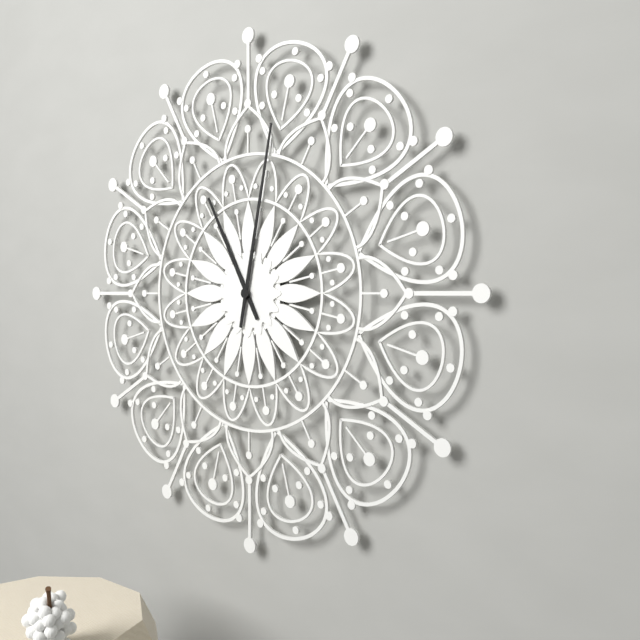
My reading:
{"hour": 11, "minute": 2}
